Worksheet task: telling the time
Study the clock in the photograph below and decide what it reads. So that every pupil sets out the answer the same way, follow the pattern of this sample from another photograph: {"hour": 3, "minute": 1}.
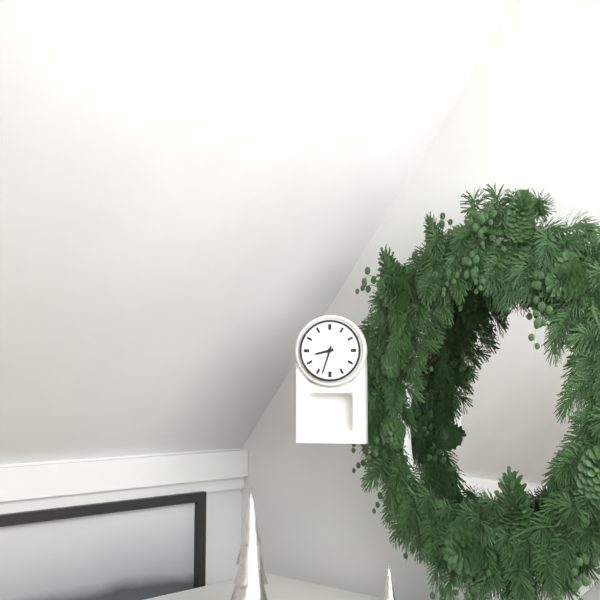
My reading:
{"hour": 8, "minute": 33}
